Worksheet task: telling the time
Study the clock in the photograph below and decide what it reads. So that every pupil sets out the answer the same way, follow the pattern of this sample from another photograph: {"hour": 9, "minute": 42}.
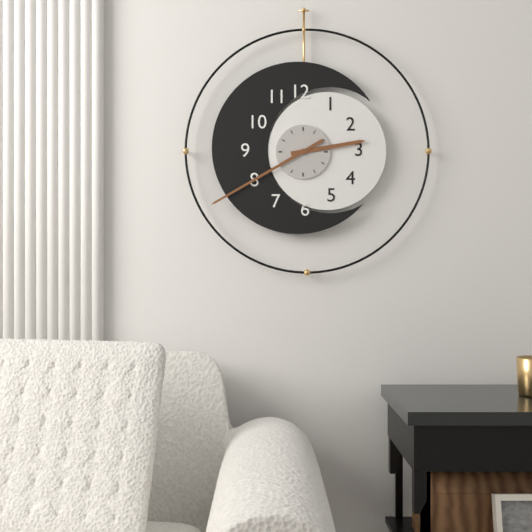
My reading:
{"hour": 2, "minute": 40}
